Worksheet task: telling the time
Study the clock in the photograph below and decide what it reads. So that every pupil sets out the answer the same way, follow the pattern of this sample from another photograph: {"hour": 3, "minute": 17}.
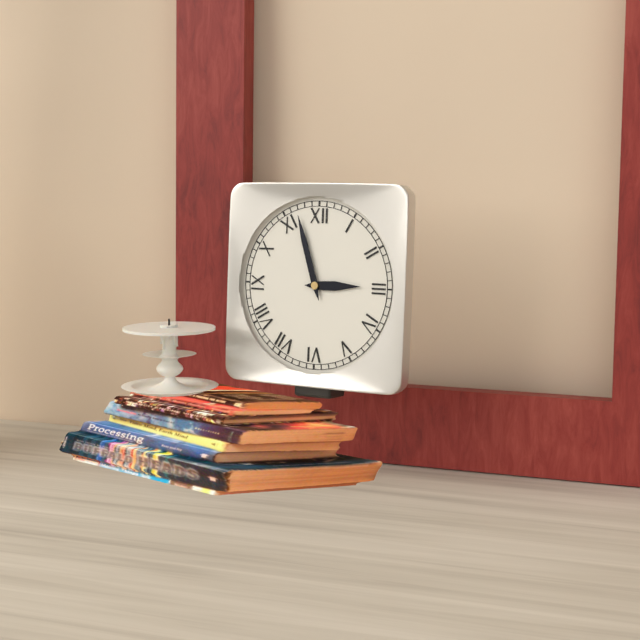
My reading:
{"hour": 2, "minute": 57}
